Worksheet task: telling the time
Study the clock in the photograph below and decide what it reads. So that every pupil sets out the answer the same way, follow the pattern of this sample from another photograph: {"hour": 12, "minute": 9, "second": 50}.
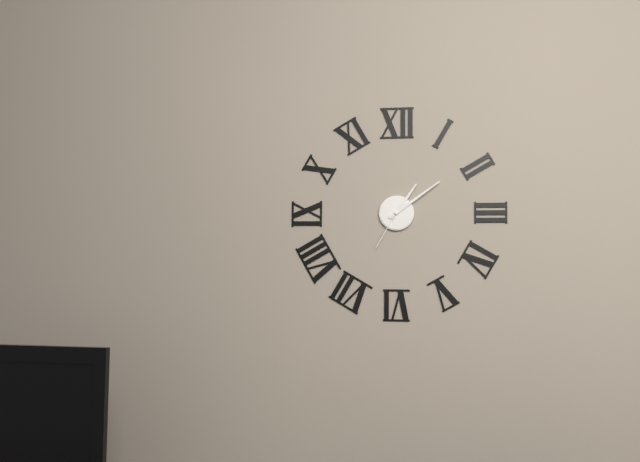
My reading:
{"hour": 1, "minute": 9, "second": 35}
